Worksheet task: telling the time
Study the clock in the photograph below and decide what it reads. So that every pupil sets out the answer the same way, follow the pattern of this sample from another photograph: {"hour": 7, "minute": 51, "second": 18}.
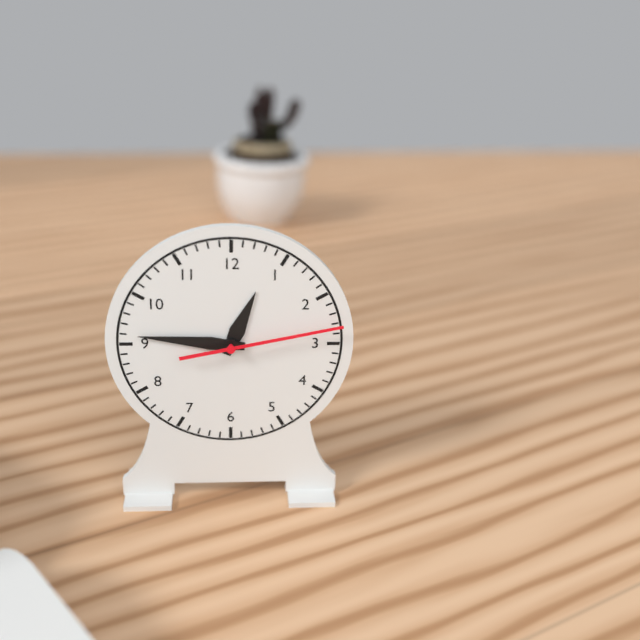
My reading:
{"hour": 12, "minute": 46, "second": 13}
